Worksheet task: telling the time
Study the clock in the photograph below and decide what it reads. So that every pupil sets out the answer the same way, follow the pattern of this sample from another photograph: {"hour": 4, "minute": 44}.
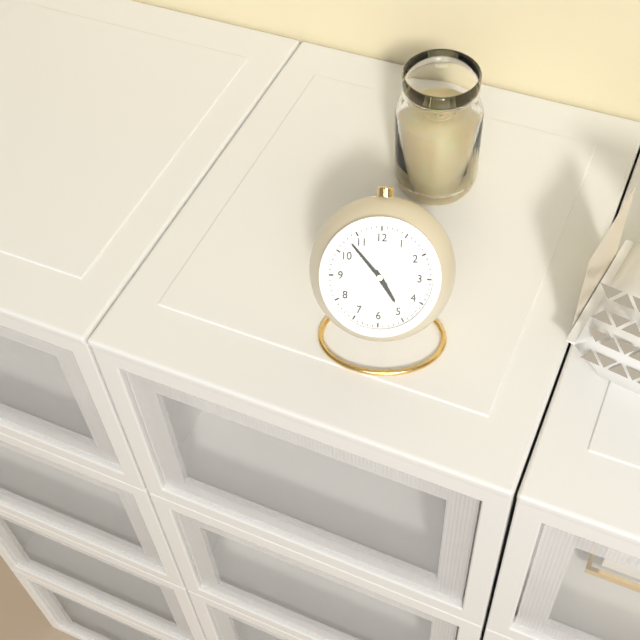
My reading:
{"hour": 4, "minute": 53}
